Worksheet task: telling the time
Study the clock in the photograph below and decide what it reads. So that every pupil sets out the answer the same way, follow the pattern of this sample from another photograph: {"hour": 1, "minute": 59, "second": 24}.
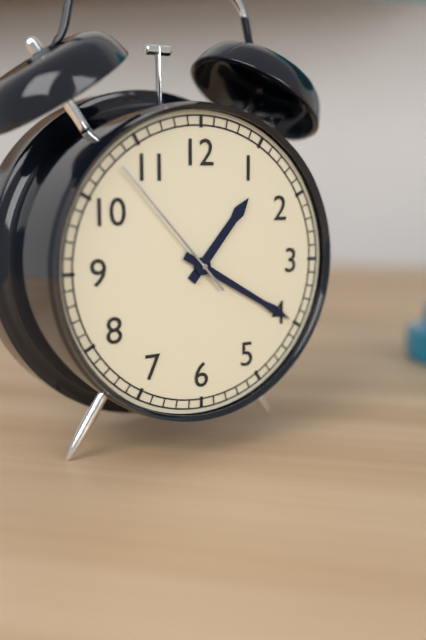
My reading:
{"hour": 1, "minute": 20, "second": 53}
